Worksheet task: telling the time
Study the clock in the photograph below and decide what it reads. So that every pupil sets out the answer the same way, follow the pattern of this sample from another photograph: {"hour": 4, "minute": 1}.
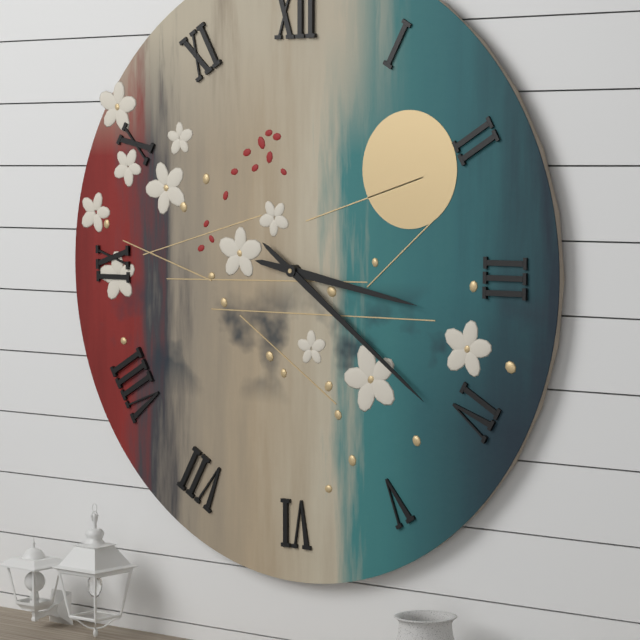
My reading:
{"hour": 3, "minute": 21}
